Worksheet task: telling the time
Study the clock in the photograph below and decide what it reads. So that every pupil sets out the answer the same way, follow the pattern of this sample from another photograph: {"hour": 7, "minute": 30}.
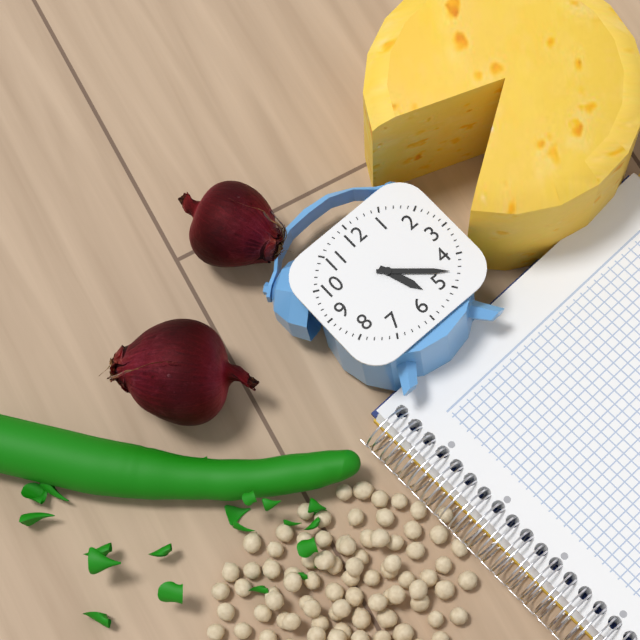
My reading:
{"hour": 5, "minute": 22}
